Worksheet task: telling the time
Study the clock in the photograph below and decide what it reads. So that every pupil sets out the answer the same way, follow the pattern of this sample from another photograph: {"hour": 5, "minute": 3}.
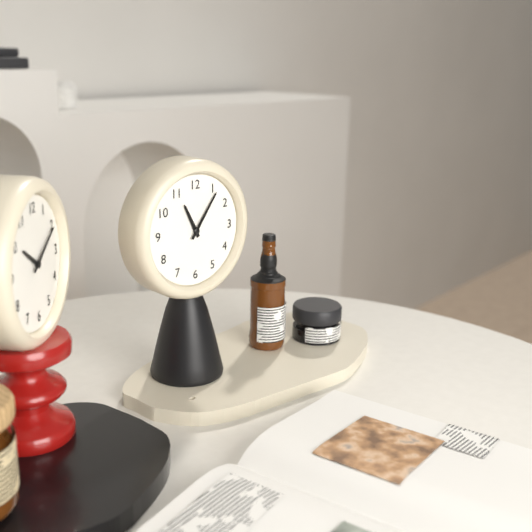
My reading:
{"hour": 11, "minute": 6}
